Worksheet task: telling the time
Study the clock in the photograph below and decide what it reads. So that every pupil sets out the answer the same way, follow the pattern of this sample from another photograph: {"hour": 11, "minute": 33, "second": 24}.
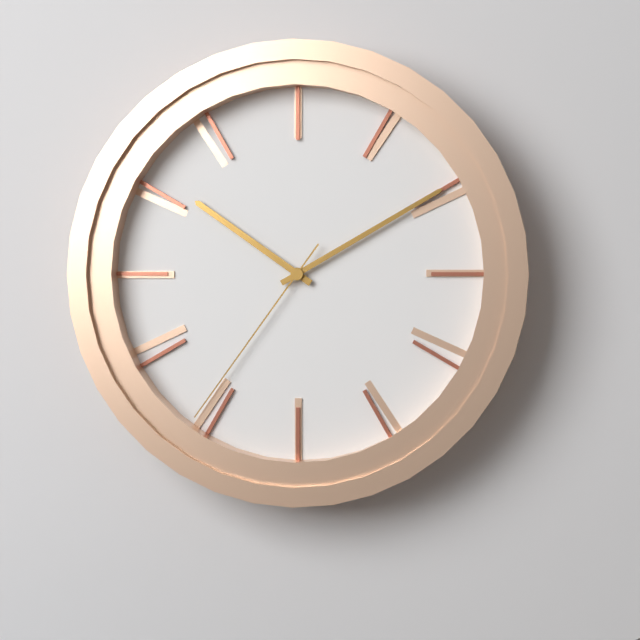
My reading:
{"hour": 10, "minute": 10, "second": 36}
